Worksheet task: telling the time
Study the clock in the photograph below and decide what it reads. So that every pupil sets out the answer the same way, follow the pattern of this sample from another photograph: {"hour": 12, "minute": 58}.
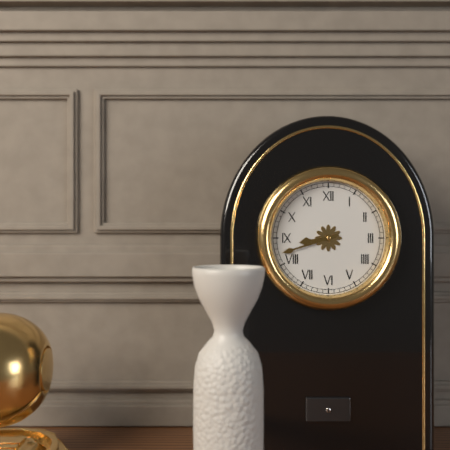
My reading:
{"hour": 8, "minute": 42}
